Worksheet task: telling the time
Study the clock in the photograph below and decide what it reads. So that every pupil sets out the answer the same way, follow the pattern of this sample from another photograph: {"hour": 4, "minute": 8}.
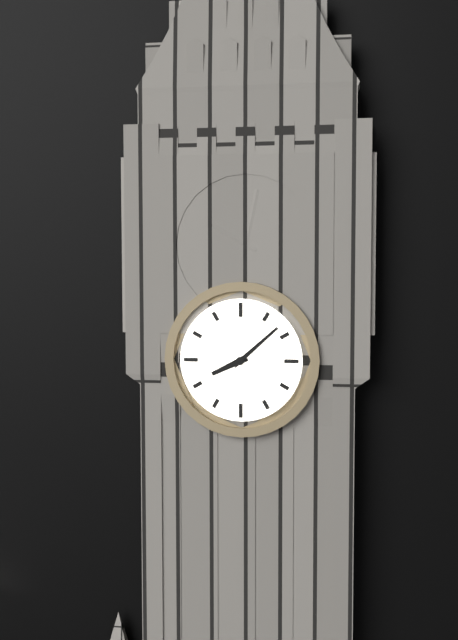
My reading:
{"hour": 8, "minute": 8}
